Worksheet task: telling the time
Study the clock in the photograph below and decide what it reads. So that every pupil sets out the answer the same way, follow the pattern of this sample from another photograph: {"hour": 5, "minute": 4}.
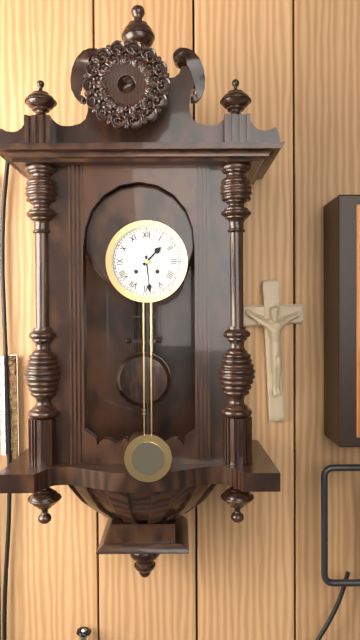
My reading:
{"hour": 1, "minute": 29}
